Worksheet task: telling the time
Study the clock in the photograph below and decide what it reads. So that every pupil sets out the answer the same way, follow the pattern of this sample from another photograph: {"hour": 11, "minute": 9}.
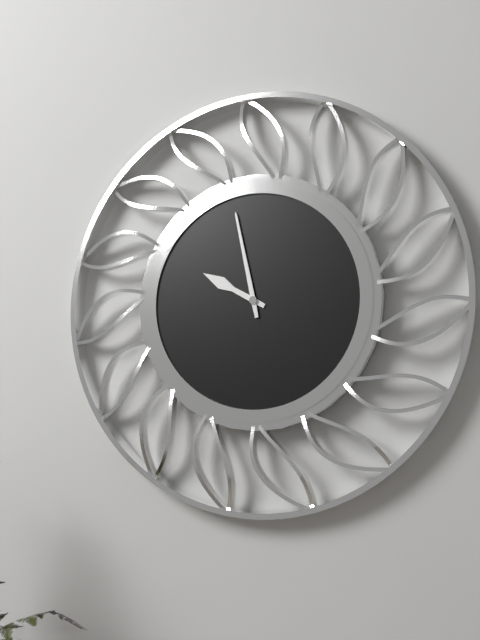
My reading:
{"hour": 9, "minute": 58}
